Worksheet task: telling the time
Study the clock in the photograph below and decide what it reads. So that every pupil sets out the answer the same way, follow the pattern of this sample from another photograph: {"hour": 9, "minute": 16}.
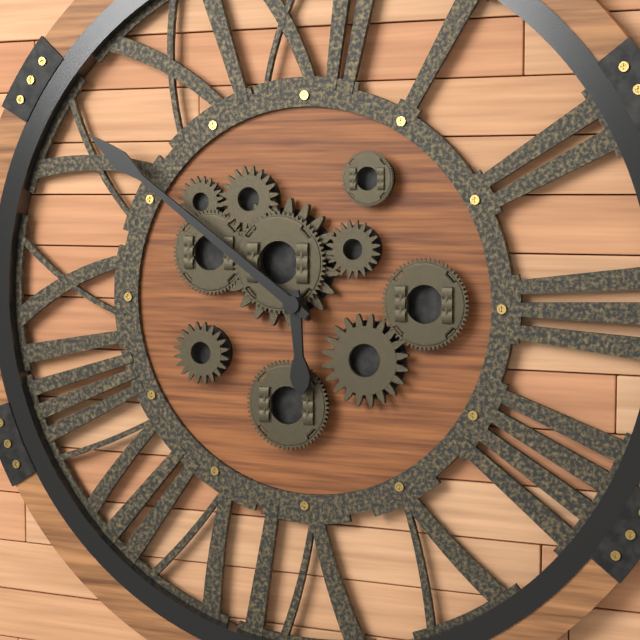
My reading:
{"hour": 5, "minute": 51}
